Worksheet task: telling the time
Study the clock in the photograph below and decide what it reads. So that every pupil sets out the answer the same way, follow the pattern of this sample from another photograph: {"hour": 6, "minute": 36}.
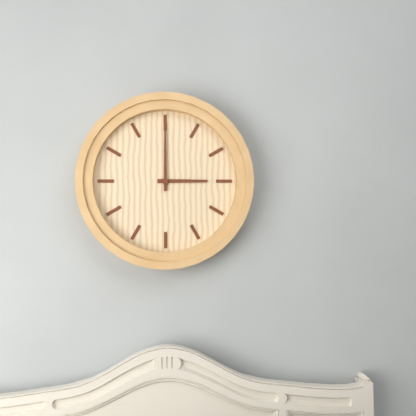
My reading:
{"hour": 3, "minute": 0}
